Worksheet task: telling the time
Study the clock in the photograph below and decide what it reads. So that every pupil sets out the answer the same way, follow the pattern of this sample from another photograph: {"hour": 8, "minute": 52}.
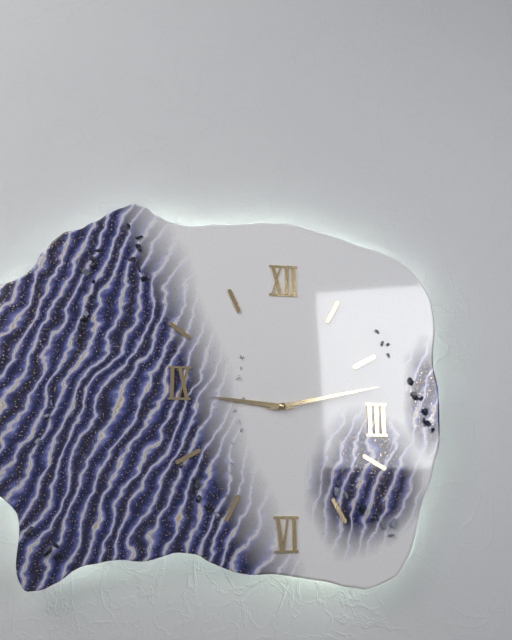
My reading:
{"hour": 9, "minute": 13}
